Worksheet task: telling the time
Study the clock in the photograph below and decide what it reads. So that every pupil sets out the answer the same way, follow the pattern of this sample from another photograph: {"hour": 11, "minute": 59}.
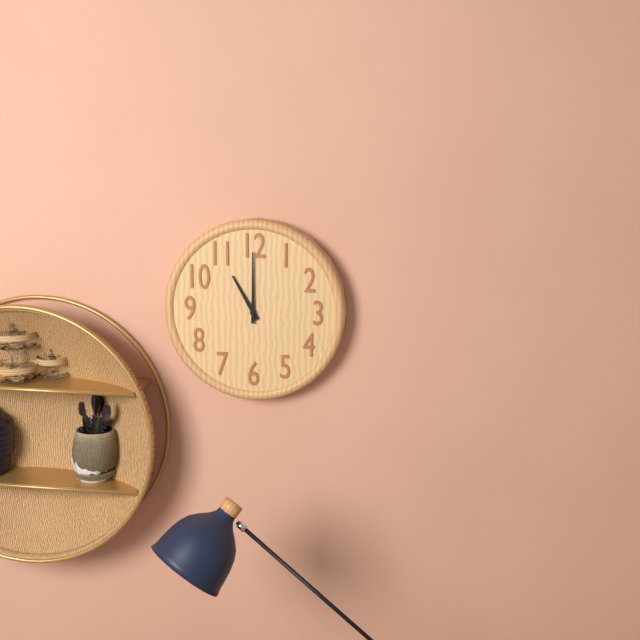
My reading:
{"hour": 11, "minute": 0}
